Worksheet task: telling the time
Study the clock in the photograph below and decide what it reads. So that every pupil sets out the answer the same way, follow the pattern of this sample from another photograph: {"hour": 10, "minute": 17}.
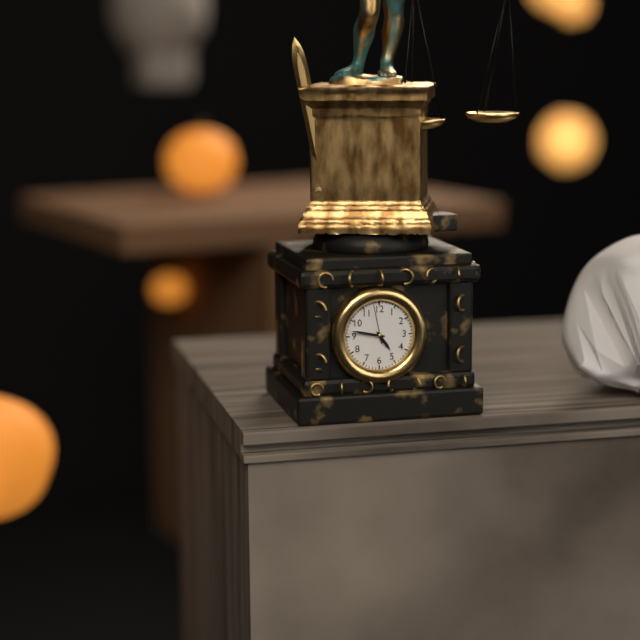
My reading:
{"hour": 4, "minute": 47}
